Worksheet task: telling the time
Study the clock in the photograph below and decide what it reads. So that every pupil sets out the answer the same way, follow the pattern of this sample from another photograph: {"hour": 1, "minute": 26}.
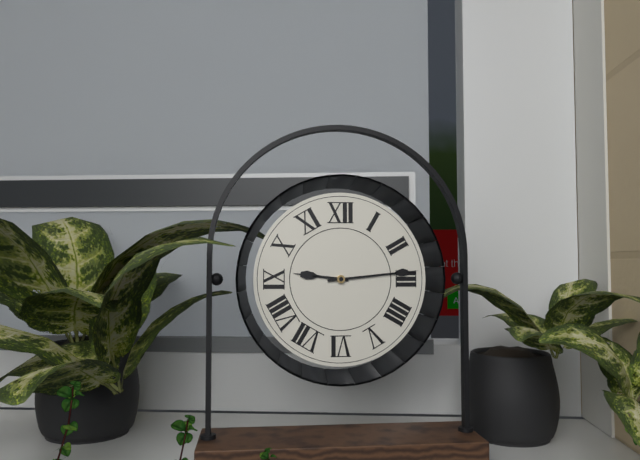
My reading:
{"hour": 9, "minute": 14}
